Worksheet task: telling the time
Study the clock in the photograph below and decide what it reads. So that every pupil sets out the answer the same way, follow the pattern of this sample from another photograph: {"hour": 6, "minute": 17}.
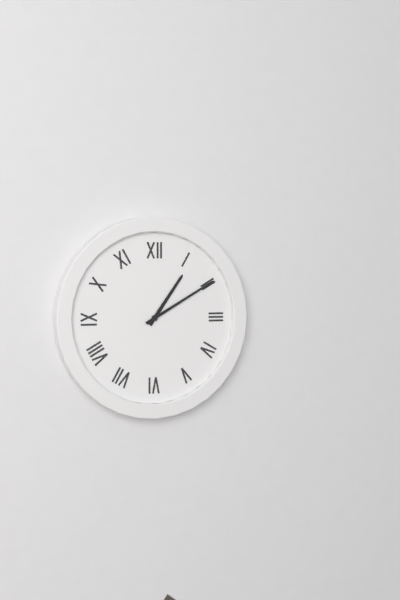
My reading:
{"hour": 1, "minute": 10}
